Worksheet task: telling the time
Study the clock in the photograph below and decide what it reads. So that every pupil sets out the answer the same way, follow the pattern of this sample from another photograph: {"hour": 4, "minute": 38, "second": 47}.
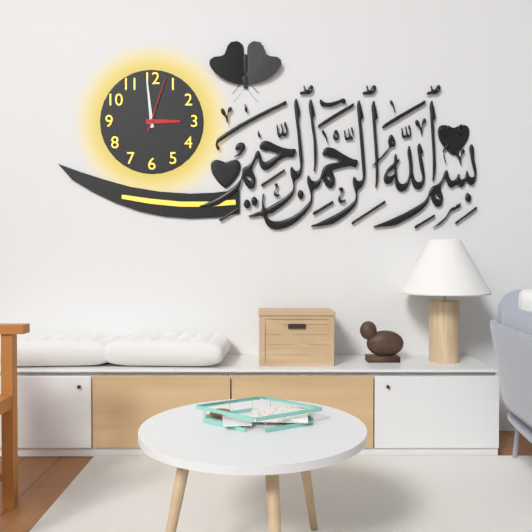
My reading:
{"hour": 2, "minute": 59, "second": 3}
